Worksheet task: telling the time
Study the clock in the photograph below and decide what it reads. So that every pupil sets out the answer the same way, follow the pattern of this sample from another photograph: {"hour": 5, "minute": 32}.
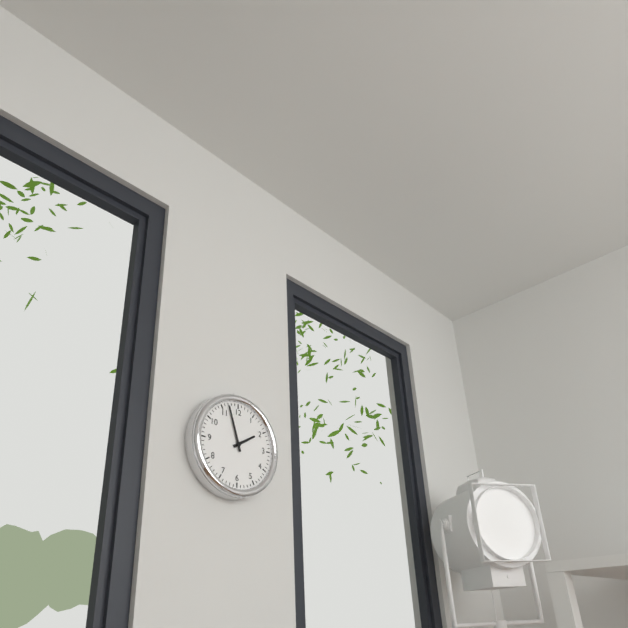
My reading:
{"hour": 1, "minute": 57}
